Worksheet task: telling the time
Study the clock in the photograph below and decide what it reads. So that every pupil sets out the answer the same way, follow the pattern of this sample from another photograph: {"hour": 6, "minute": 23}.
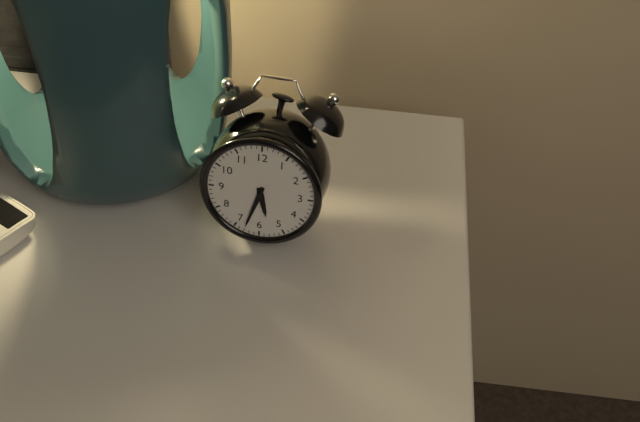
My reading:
{"hour": 5, "minute": 33}
